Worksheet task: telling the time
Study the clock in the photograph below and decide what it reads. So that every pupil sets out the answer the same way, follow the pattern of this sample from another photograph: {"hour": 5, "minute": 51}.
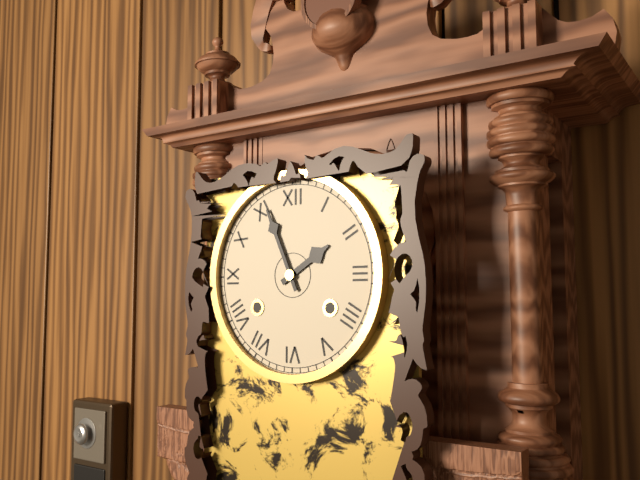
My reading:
{"hour": 1, "minute": 56}
